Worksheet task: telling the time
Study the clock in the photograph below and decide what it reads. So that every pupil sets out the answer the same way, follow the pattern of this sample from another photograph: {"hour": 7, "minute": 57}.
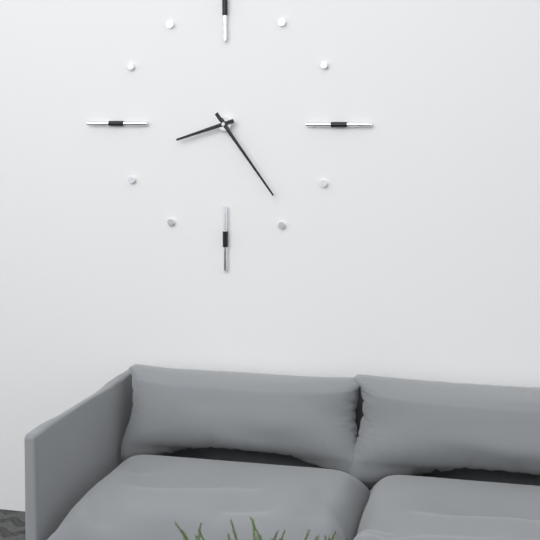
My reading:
{"hour": 8, "minute": 24}
